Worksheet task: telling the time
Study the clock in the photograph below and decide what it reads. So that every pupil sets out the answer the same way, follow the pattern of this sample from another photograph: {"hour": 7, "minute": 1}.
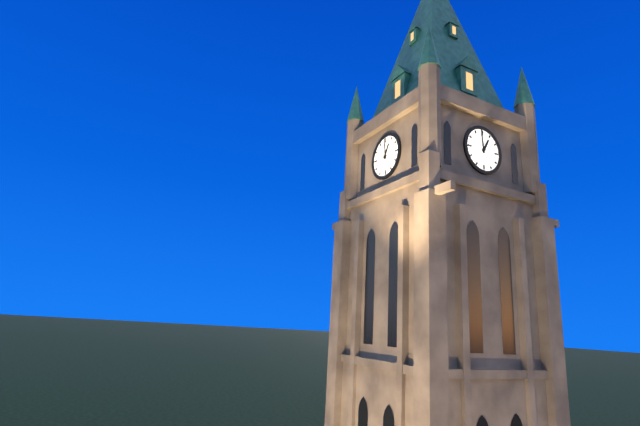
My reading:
{"hour": 12, "minute": 59}
